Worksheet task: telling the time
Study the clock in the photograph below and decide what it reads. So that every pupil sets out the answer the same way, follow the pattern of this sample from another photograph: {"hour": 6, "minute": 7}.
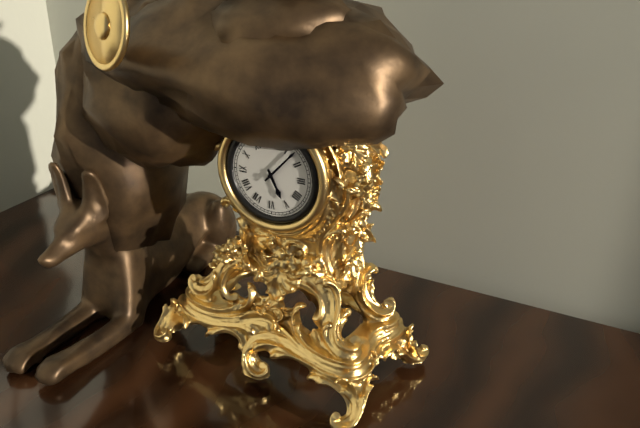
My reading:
{"hour": 5, "minute": 7}
